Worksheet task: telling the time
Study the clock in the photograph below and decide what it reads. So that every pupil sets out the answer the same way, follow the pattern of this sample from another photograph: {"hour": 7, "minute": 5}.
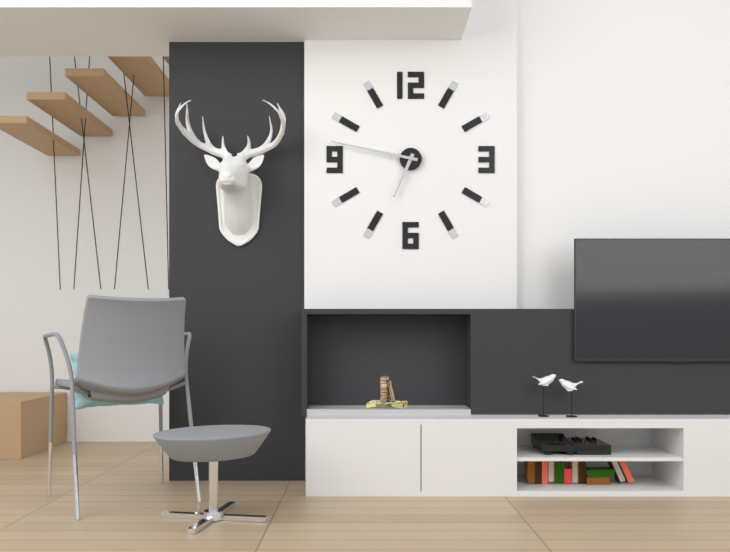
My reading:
{"hour": 6, "minute": 47}
